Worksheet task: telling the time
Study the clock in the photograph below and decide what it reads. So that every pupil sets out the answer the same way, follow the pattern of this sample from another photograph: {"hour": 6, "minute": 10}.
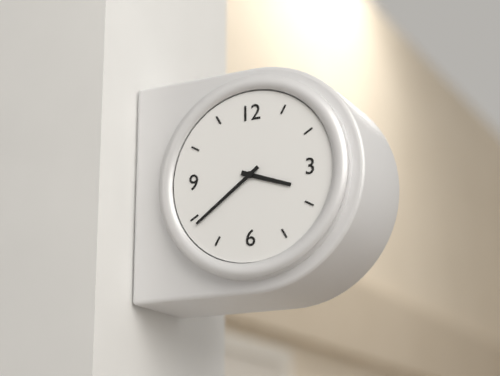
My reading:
{"hour": 3, "minute": 39}
